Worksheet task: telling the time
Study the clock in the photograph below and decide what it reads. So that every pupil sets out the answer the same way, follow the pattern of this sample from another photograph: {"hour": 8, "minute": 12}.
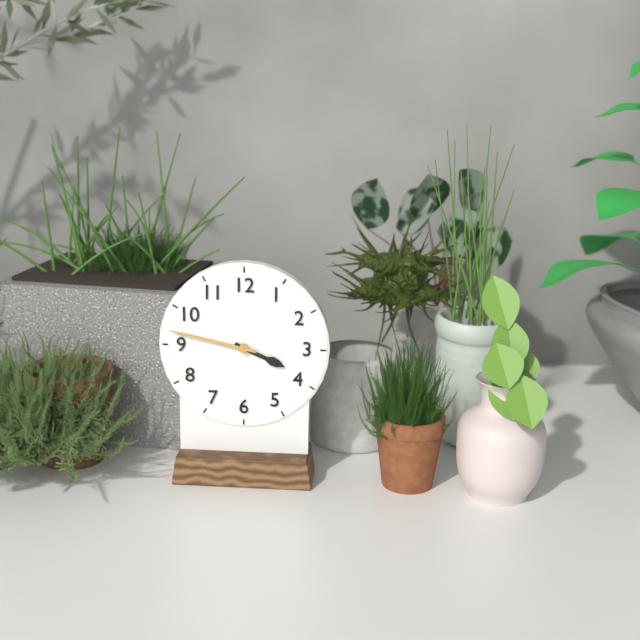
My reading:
{"hour": 3, "minute": 47}
